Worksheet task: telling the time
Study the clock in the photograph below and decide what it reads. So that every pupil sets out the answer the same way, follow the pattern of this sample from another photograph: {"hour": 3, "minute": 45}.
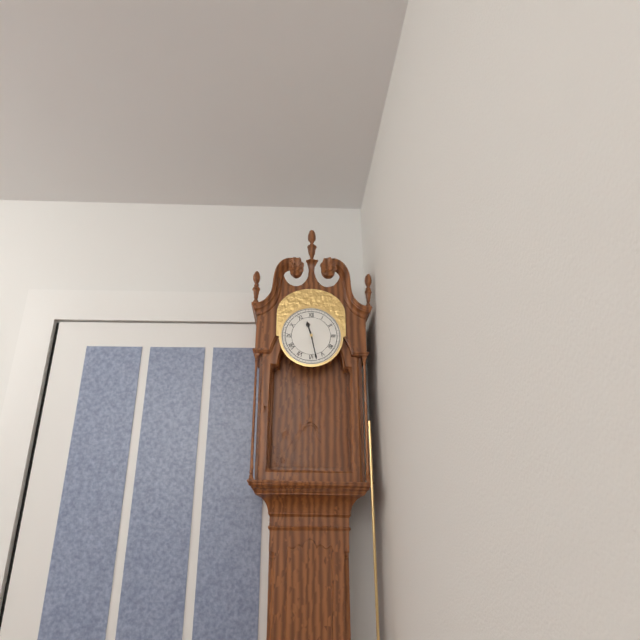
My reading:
{"hour": 11, "minute": 28}
